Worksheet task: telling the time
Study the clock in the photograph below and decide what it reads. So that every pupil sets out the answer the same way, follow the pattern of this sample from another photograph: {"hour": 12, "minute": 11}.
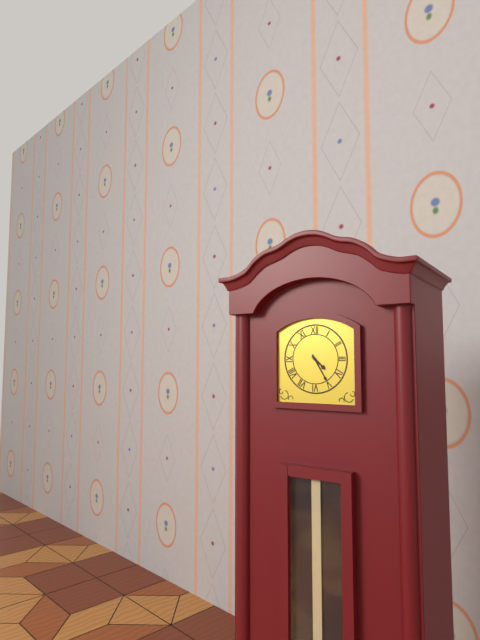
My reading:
{"hour": 4, "minute": 25}
